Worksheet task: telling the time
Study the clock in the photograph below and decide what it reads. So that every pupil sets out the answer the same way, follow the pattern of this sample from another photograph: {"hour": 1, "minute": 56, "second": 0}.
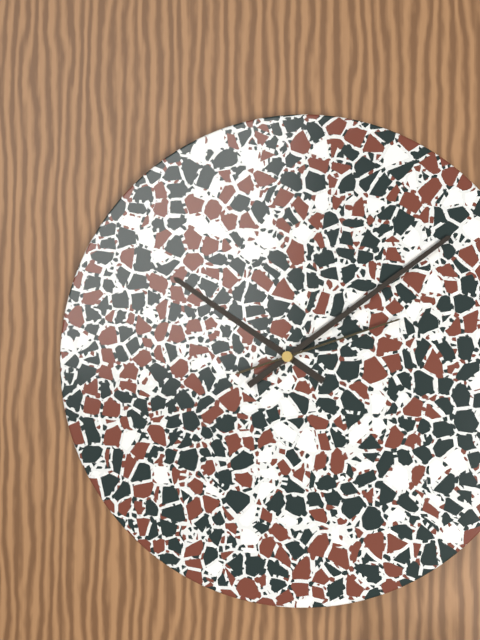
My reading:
{"hour": 10, "minute": 9, "second": 12}
